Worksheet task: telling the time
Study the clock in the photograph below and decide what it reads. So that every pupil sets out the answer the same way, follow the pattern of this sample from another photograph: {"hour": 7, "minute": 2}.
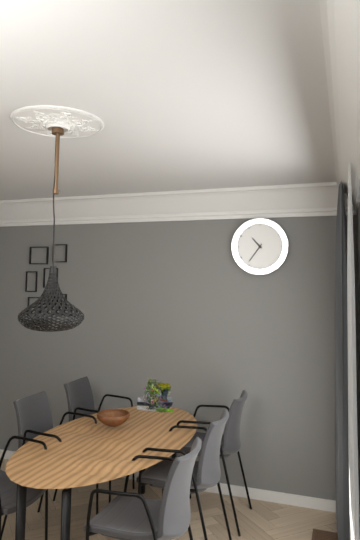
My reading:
{"hour": 10, "minute": 36}
